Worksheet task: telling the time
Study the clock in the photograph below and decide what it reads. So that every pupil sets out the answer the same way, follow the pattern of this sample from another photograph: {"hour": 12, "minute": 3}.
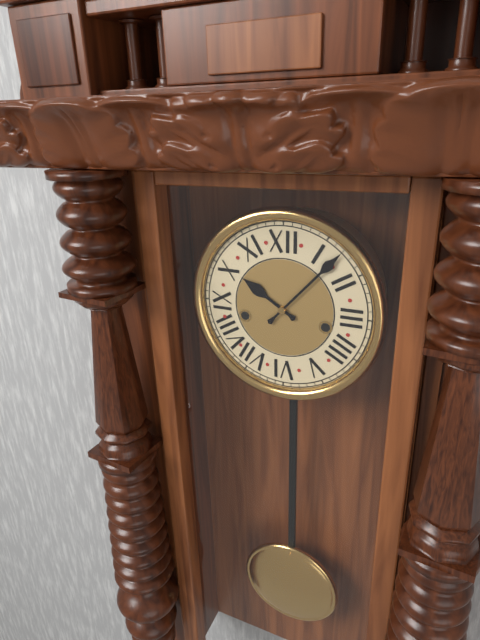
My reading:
{"hour": 10, "minute": 7}
